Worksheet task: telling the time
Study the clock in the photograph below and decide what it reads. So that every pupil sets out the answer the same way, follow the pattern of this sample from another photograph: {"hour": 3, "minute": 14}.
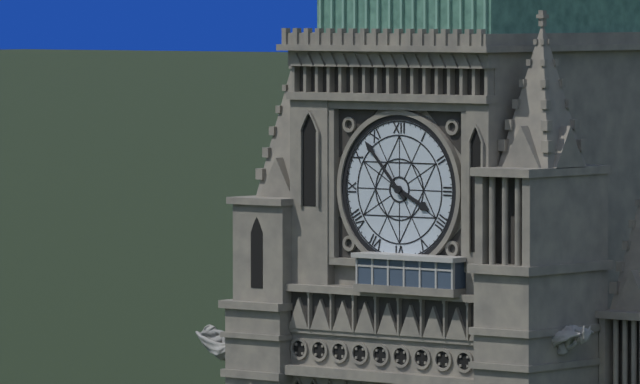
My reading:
{"hour": 3, "minute": 53}
